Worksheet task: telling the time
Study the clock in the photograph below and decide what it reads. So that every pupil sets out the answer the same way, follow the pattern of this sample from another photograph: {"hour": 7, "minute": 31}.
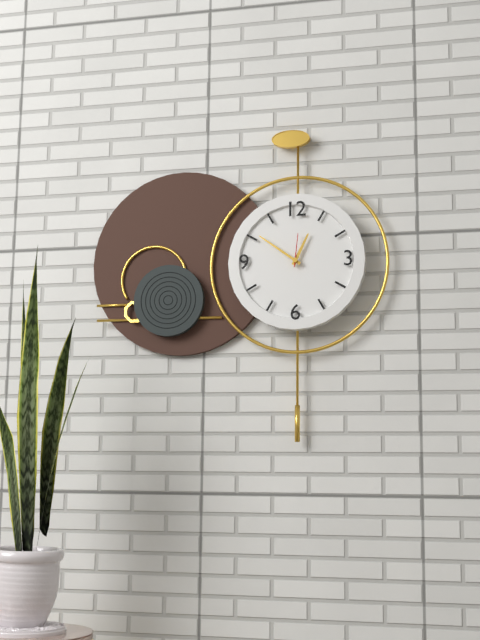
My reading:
{"hour": 12, "minute": 51}
